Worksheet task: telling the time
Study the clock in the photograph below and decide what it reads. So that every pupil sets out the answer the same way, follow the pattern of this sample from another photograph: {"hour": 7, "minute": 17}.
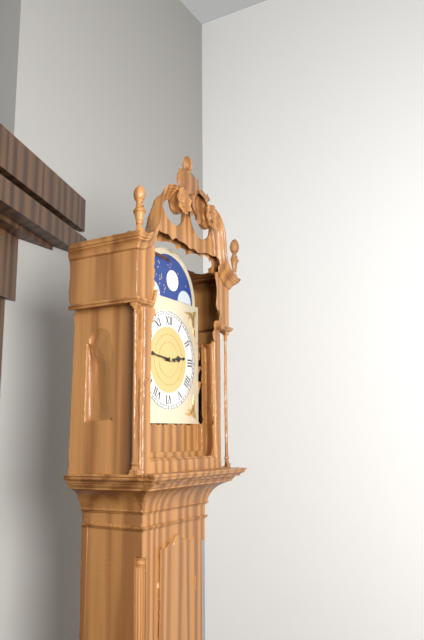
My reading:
{"hour": 2, "minute": 46}
